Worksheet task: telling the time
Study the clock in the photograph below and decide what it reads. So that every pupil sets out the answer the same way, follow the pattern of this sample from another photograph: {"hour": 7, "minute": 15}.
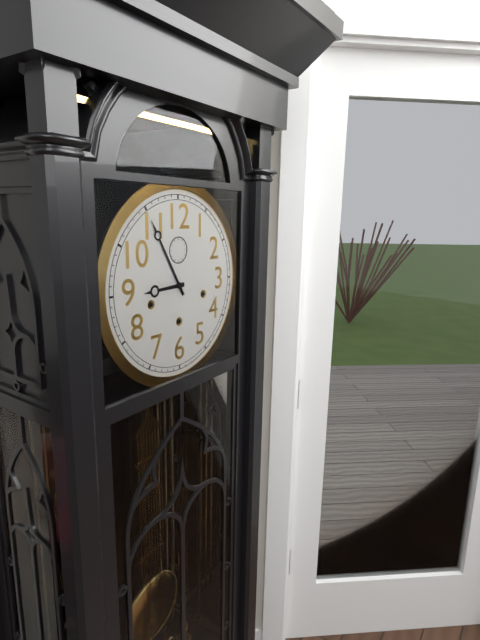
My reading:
{"hour": 8, "minute": 55}
